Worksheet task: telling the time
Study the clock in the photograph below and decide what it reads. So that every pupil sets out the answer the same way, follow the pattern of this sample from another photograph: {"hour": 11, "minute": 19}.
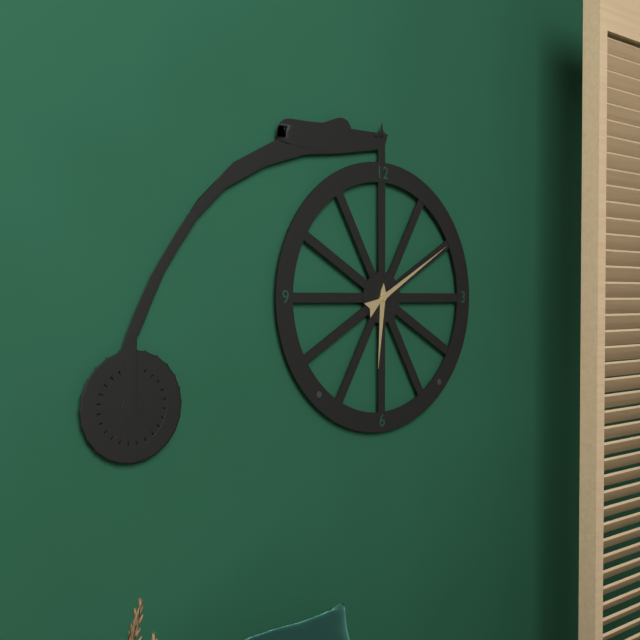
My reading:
{"hour": 6, "minute": 10}
